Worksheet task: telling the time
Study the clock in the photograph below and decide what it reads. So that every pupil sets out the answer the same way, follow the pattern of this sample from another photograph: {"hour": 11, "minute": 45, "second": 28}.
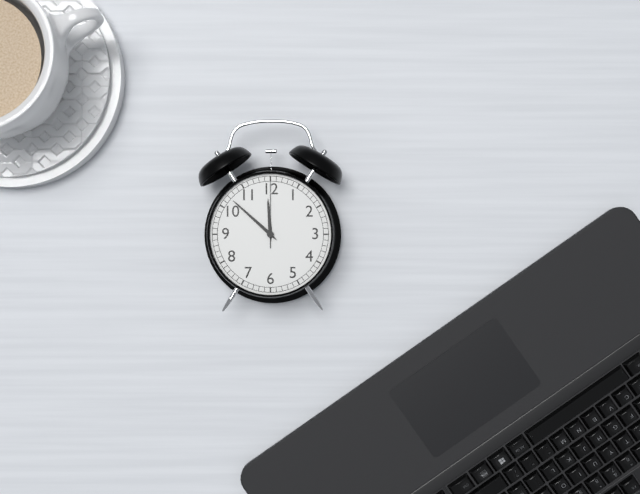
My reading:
{"hour": 11, "minute": 52, "second": 0}
